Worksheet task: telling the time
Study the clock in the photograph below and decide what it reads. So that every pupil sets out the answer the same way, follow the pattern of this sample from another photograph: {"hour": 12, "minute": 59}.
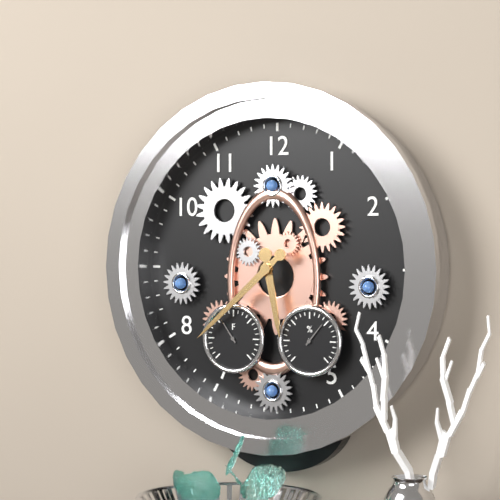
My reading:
{"hour": 5, "minute": 38}
